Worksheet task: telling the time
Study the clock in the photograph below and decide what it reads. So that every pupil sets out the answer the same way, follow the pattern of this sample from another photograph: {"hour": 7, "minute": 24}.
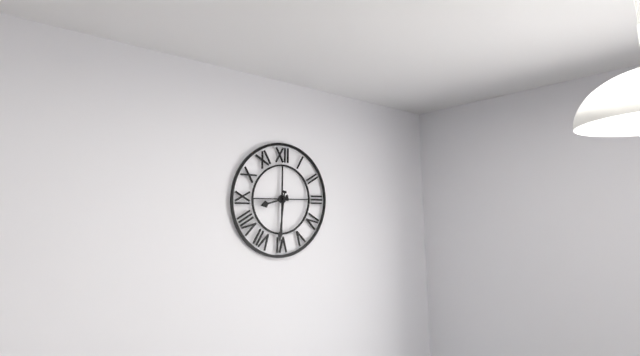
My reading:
{"hour": 8, "minute": 31}
